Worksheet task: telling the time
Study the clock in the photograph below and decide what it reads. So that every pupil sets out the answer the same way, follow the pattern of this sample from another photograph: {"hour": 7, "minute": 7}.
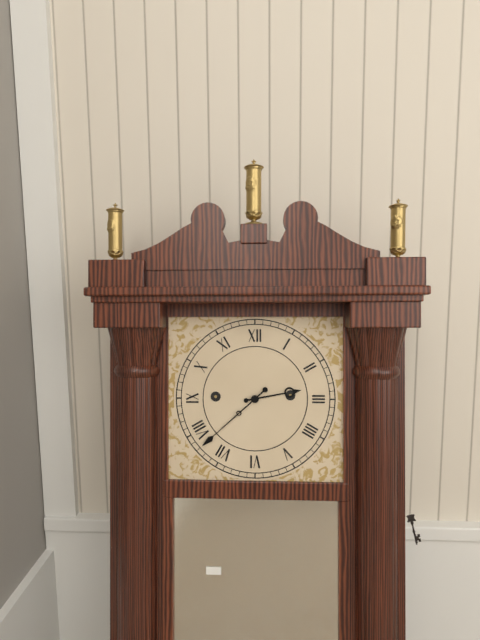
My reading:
{"hour": 2, "minute": 38}
